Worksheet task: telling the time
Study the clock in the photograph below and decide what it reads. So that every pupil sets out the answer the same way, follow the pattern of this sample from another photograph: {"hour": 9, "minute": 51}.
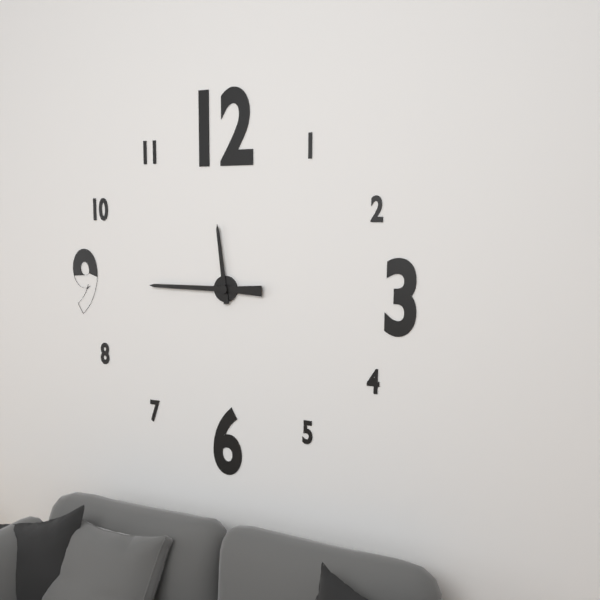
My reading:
{"hour": 11, "minute": 45}
